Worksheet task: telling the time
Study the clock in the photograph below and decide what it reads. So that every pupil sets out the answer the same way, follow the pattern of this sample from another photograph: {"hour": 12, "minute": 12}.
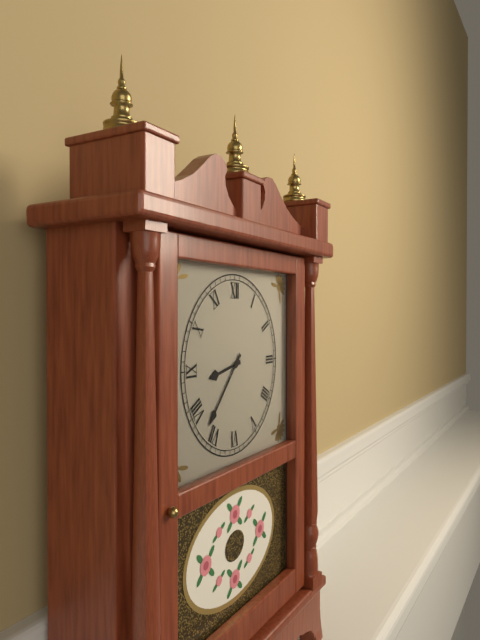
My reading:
{"hour": 8, "minute": 37}
